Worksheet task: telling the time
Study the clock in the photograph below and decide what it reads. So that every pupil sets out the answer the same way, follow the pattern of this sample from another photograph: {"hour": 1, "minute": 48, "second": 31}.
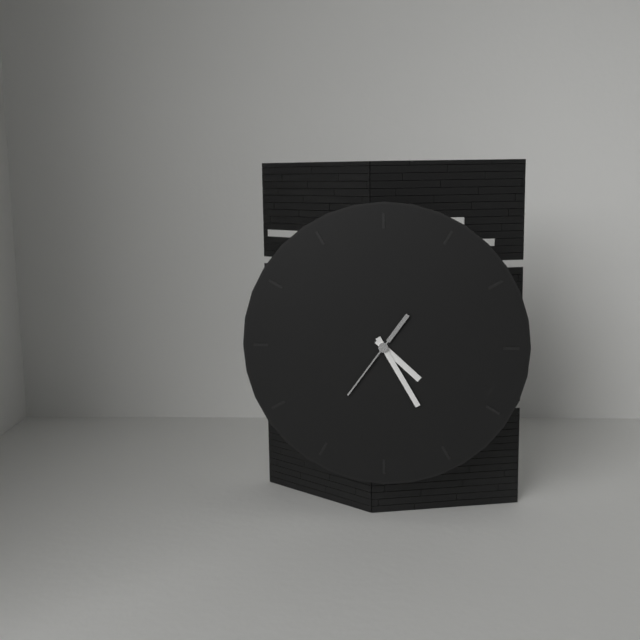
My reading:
{"hour": 4, "minute": 25, "second": 36}
